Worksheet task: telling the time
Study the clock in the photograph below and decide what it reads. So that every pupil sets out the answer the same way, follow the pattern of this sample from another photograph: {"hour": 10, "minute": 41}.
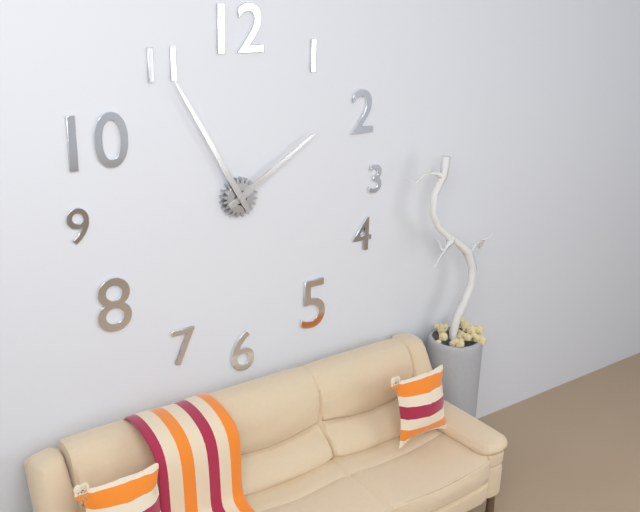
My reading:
{"hour": 1, "minute": 55}
